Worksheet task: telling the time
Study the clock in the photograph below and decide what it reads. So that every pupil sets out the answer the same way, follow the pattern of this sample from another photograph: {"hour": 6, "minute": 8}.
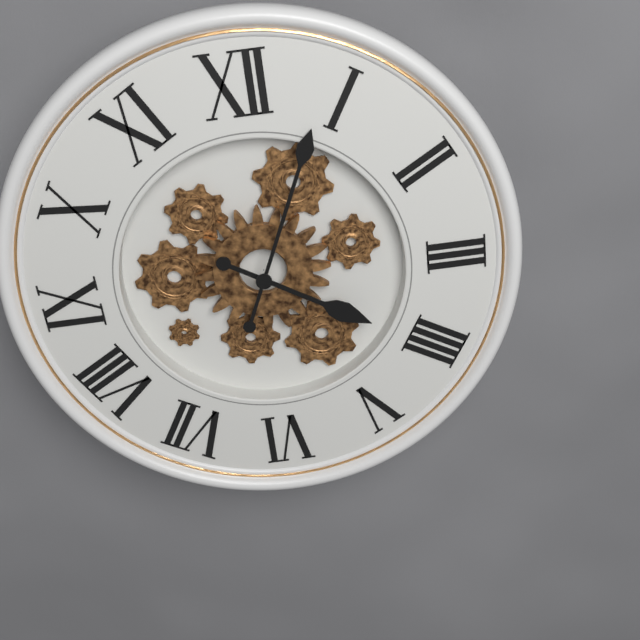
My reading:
{"hour": 4, "minute": 4}
